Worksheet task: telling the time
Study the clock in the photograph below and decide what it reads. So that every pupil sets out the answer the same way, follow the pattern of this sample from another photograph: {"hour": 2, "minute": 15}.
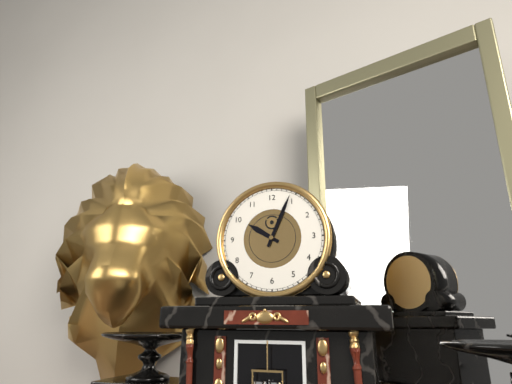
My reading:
{"hour": 10, "minute": 4}
